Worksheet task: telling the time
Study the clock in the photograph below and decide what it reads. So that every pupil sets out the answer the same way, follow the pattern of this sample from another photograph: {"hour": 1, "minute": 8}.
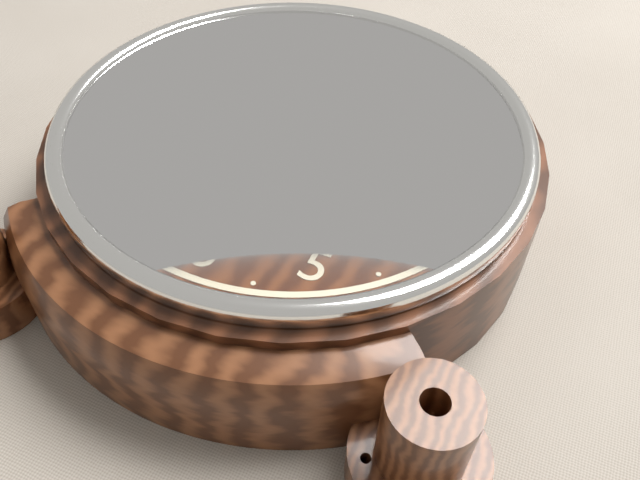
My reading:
{"hour": 9, "minute": 22}
